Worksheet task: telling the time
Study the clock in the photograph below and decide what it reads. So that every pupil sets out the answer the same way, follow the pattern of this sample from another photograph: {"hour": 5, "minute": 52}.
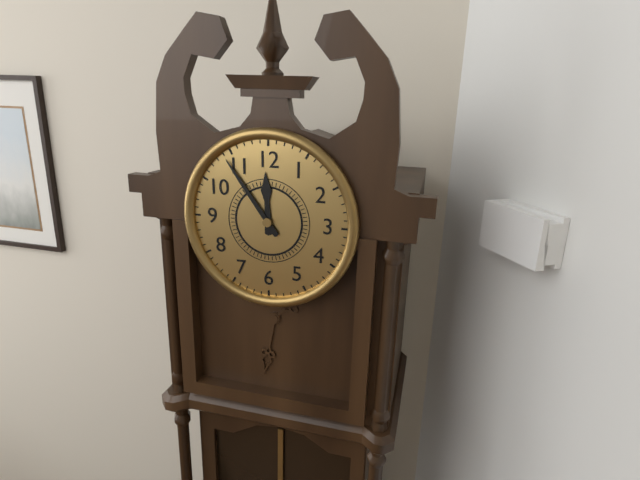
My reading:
{"hour": 11, "minute": 54}
